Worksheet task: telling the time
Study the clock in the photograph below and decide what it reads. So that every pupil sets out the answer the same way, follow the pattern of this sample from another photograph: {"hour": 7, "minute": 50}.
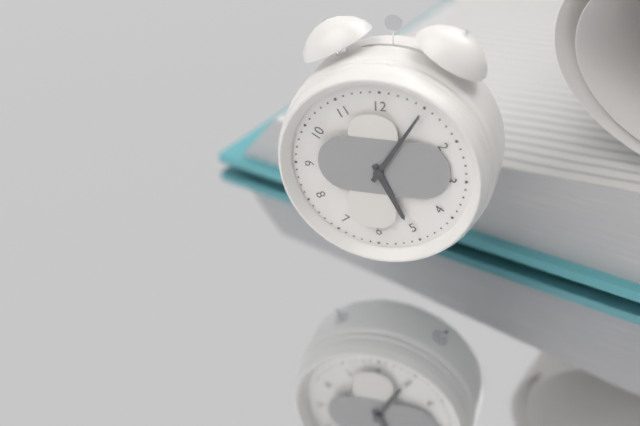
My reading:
{"hour": 5, "minute": 5}
